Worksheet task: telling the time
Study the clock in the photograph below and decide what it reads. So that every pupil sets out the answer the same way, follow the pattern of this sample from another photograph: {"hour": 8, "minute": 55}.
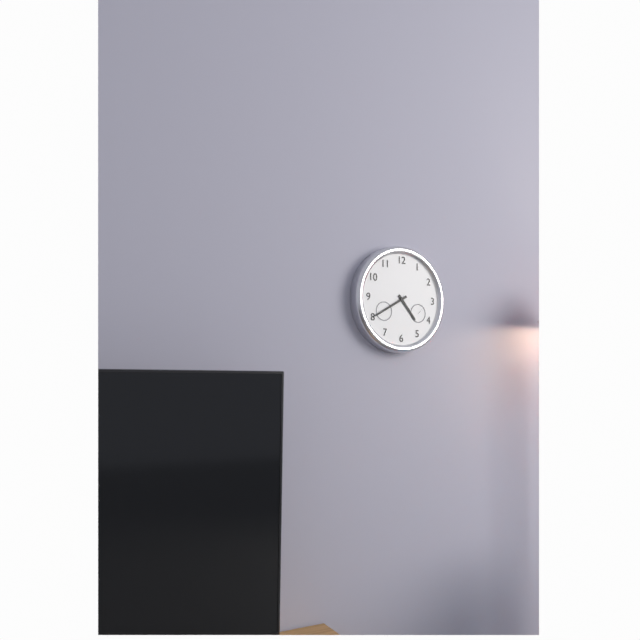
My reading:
{"hour": 4, "minute": 40}
